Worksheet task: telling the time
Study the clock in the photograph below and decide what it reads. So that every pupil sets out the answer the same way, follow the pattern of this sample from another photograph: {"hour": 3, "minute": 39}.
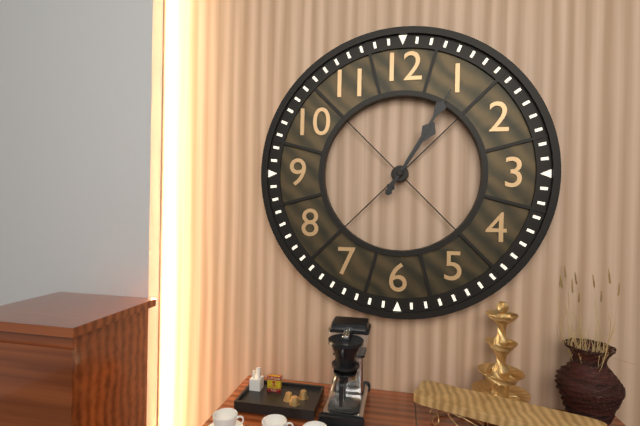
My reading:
{"hour": 1, "minute": 5}
